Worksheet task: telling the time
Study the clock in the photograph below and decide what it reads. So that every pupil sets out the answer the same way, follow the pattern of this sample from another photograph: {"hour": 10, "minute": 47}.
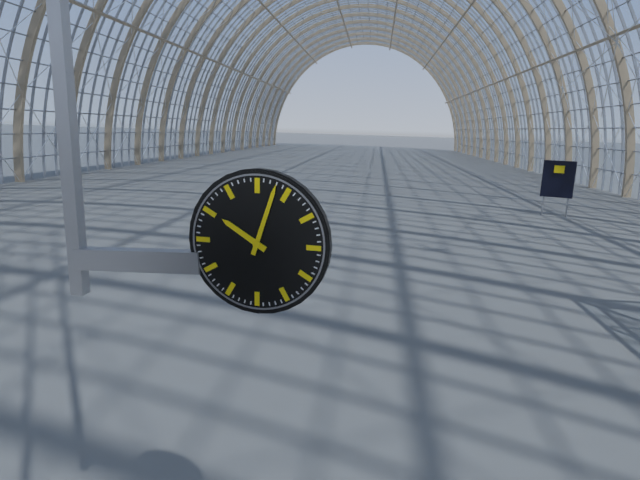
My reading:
{"hour": 10, "minute": 3}
